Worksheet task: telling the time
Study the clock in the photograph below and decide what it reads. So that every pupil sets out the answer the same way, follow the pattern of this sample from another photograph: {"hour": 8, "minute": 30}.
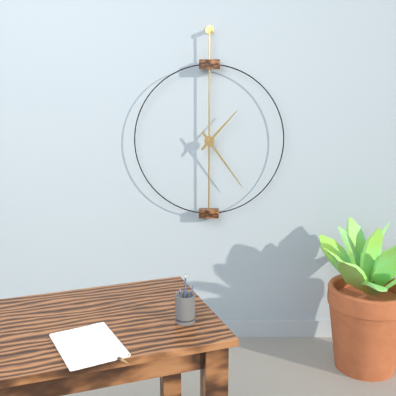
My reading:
{"hour": 1, "minute": 24}
